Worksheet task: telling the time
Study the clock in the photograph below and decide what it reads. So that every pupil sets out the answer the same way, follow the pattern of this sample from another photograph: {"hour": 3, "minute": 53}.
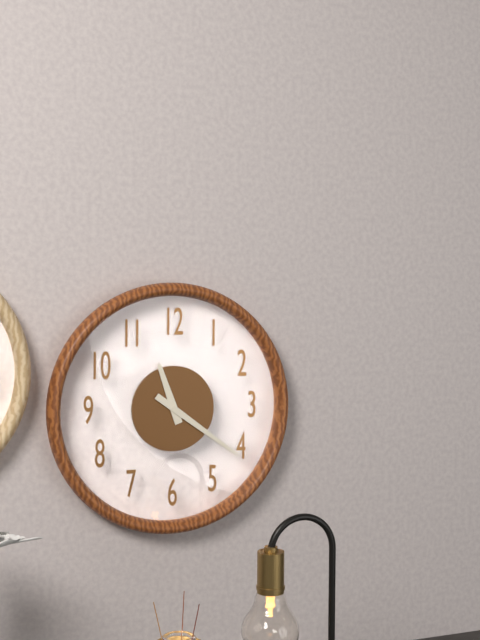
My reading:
{"hour": 11, "minute": 21}
